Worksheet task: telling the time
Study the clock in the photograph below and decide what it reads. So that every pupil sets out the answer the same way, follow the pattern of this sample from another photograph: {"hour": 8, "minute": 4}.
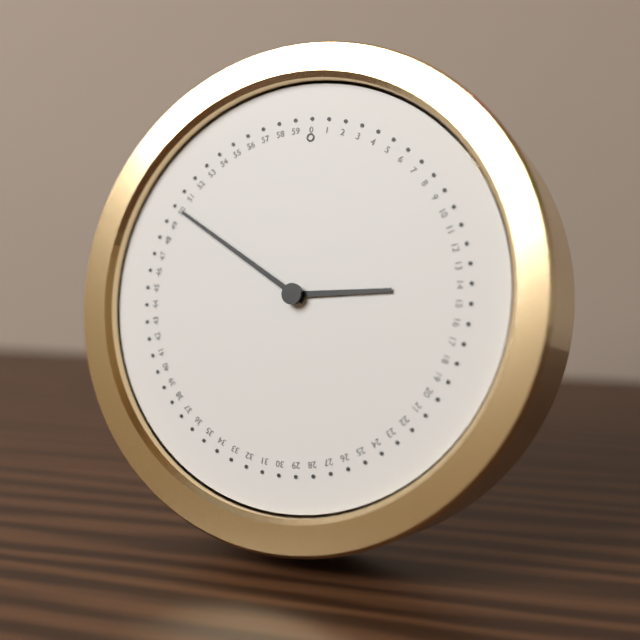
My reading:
{"hour": 2, "minute": 50}
